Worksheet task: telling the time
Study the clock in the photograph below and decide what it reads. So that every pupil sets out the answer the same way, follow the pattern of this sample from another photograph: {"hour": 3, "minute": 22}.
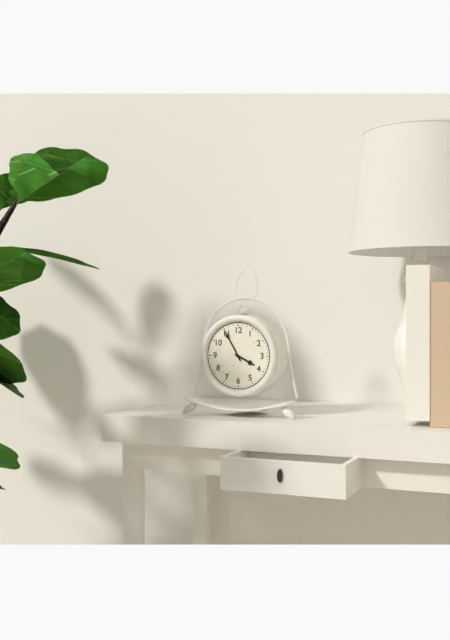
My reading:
{"hour": 3, "minute": 55}
